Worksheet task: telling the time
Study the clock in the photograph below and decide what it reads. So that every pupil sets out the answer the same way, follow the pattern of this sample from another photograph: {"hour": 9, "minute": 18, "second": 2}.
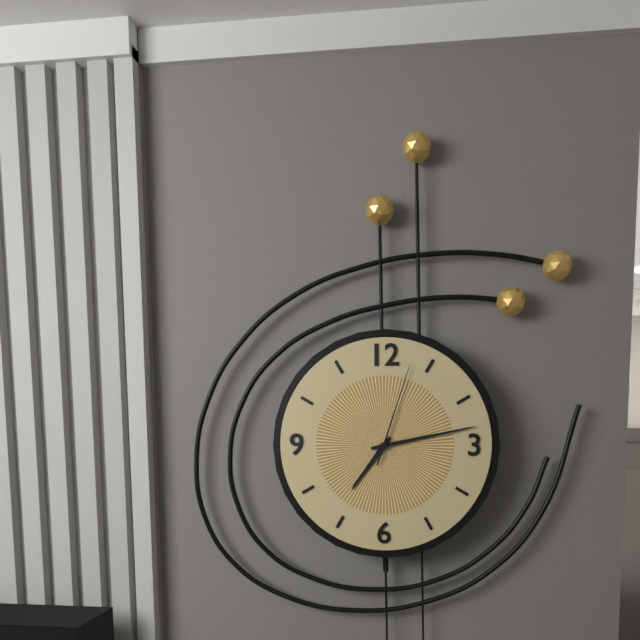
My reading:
{"hour": 7, "minute": 13, "second": 3}
